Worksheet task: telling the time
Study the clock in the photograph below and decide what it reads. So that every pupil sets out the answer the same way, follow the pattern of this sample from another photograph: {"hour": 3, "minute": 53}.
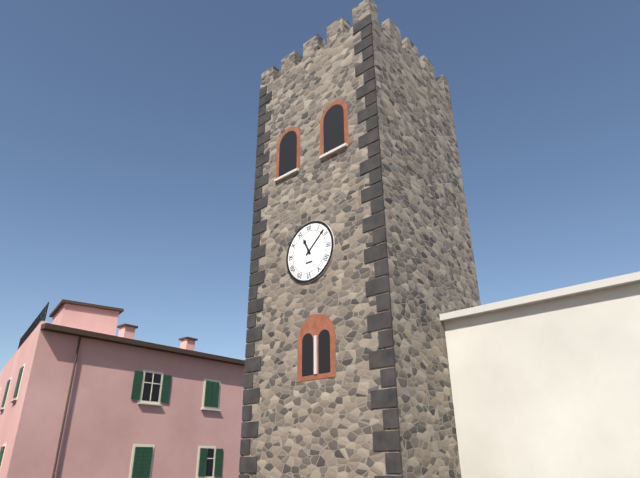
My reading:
{"hour": 11, "minute": 8}
